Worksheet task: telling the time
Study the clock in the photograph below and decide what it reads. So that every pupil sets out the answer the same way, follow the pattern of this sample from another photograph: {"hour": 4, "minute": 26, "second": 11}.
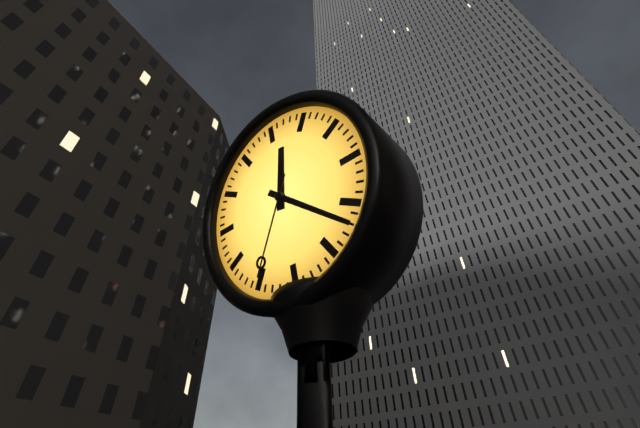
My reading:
{"hour": 12, "minute": 22, "second": 35}
